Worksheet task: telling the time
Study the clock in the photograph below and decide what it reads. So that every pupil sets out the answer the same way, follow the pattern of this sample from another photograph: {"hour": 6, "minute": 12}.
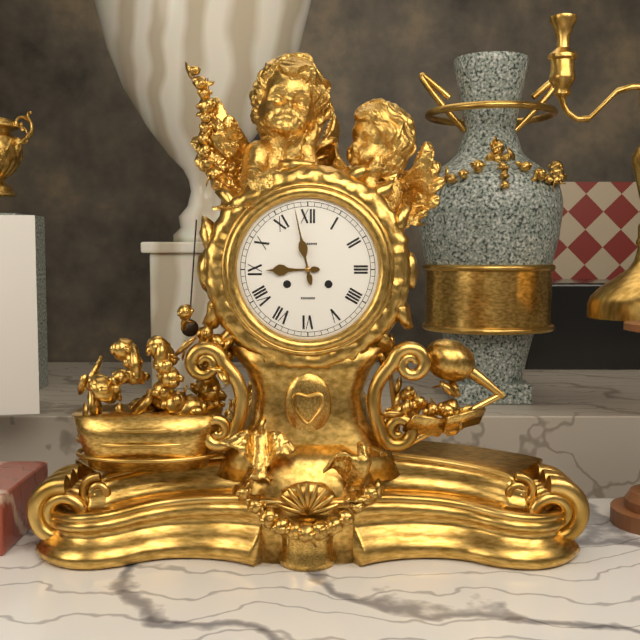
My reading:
{"hour": 8, "minute": 58}
